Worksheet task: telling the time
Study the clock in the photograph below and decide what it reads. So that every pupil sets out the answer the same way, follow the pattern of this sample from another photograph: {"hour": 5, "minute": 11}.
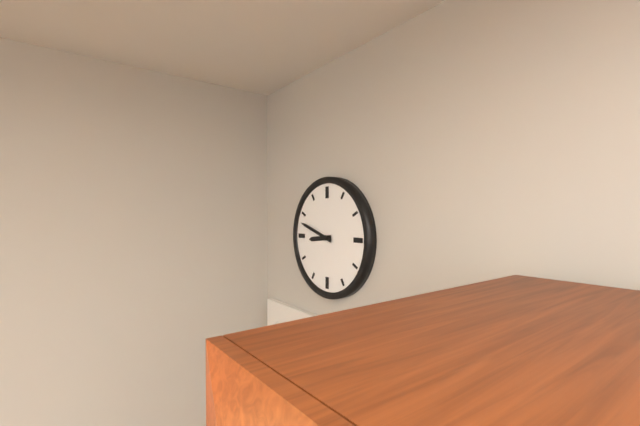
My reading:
{"hour": 8, "minute": 48}
